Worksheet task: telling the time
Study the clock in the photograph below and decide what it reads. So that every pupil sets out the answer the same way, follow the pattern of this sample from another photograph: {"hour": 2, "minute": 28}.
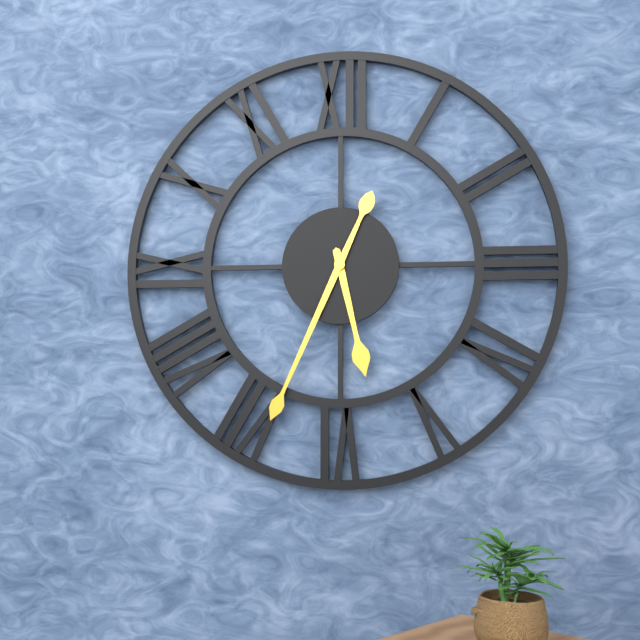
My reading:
{"hour": 5, "minute": 34}
